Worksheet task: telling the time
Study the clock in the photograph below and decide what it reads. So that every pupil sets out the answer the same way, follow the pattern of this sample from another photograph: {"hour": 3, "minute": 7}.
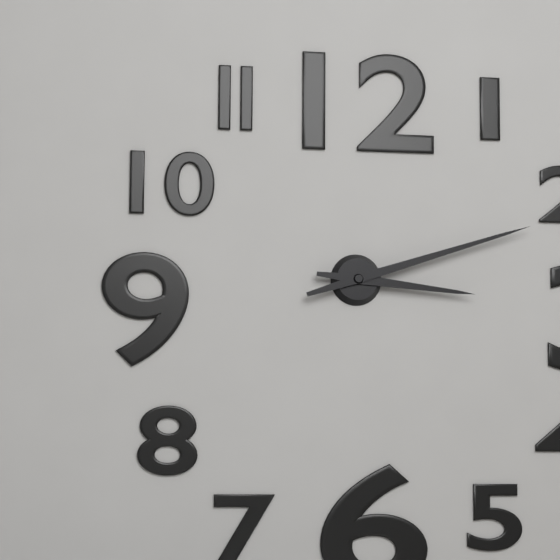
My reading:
{"hour": 3, "minute": 12}
